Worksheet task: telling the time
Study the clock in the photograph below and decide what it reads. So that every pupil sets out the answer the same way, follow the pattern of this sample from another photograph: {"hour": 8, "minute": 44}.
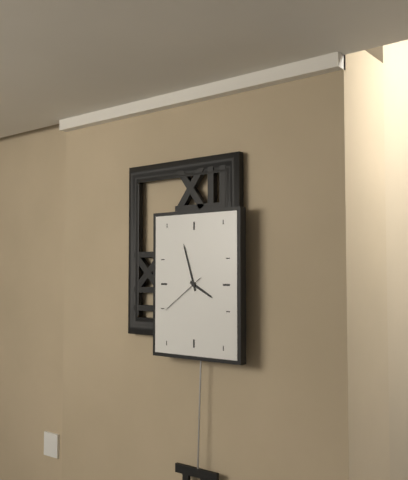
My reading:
{"hour": 3, "minute": 57}
